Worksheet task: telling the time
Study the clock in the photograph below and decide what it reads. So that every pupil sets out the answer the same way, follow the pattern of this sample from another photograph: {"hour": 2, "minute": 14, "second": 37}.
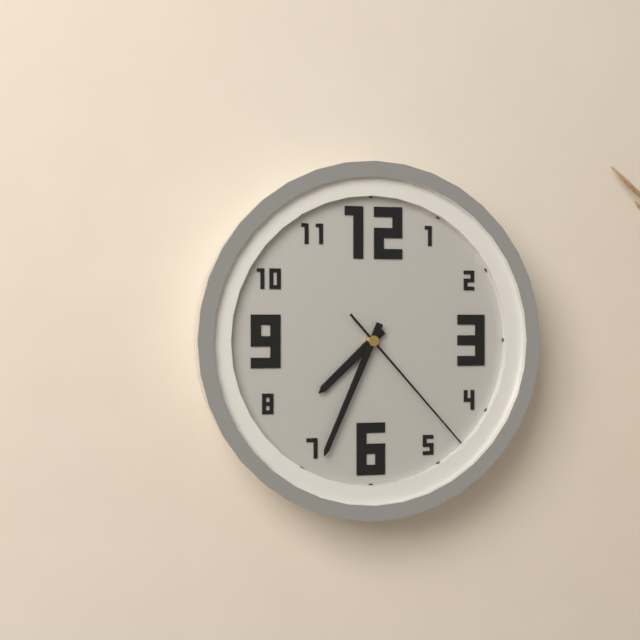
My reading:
{"hour": 7, "minute": 34, "second": 23}
